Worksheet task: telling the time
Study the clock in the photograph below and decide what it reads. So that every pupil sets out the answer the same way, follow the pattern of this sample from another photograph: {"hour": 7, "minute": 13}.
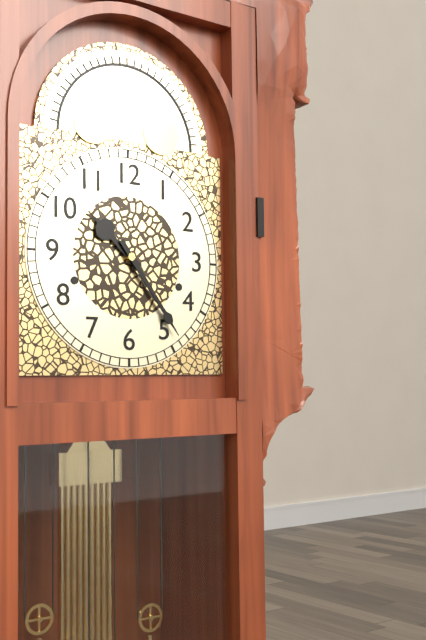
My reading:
{"hour": 10, "minute": 24}
